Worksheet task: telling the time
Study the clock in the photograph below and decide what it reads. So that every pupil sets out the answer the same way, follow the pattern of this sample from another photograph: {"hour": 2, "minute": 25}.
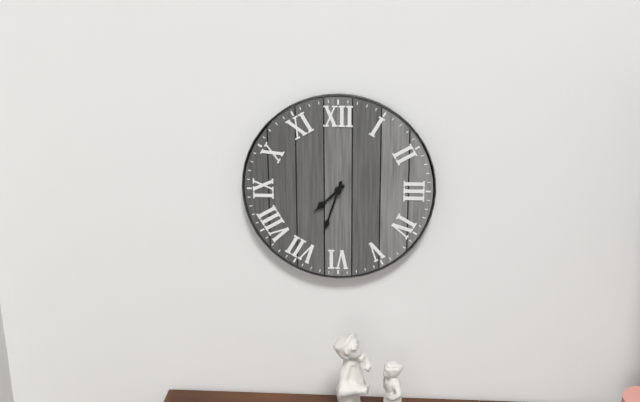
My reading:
{"hour": 7, "minute": 33}
